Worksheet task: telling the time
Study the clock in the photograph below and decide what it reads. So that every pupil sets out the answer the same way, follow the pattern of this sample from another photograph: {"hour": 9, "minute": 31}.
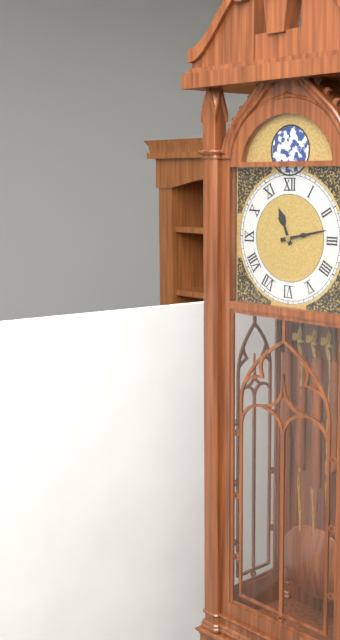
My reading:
{"hour": 11, "minute": 13}
